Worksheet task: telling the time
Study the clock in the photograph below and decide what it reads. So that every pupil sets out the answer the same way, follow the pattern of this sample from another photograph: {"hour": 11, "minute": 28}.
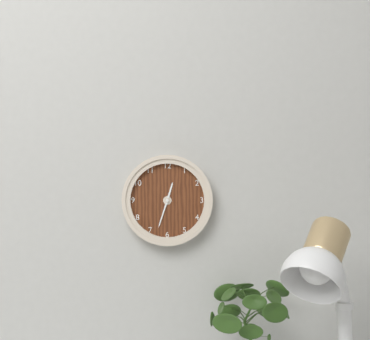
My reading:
{"hour": 12, "minute": 33}
